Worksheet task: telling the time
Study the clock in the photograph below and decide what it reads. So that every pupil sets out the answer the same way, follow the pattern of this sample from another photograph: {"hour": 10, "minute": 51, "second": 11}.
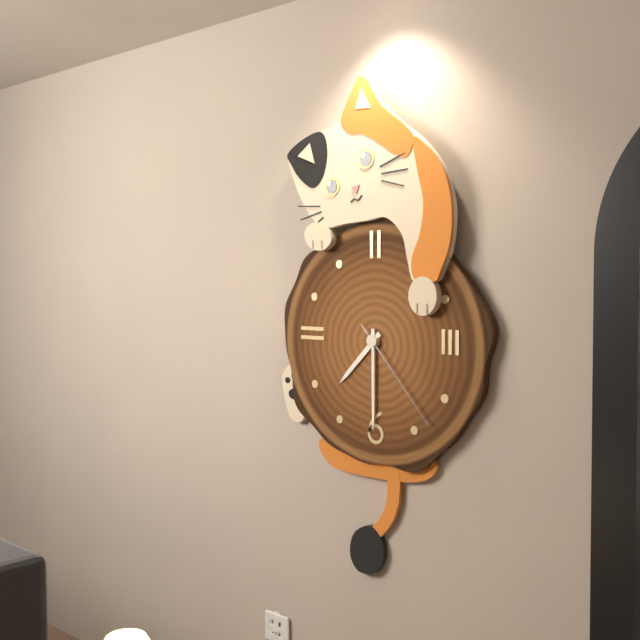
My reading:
{"hour": 7, "minute": 30, "second": 23}
